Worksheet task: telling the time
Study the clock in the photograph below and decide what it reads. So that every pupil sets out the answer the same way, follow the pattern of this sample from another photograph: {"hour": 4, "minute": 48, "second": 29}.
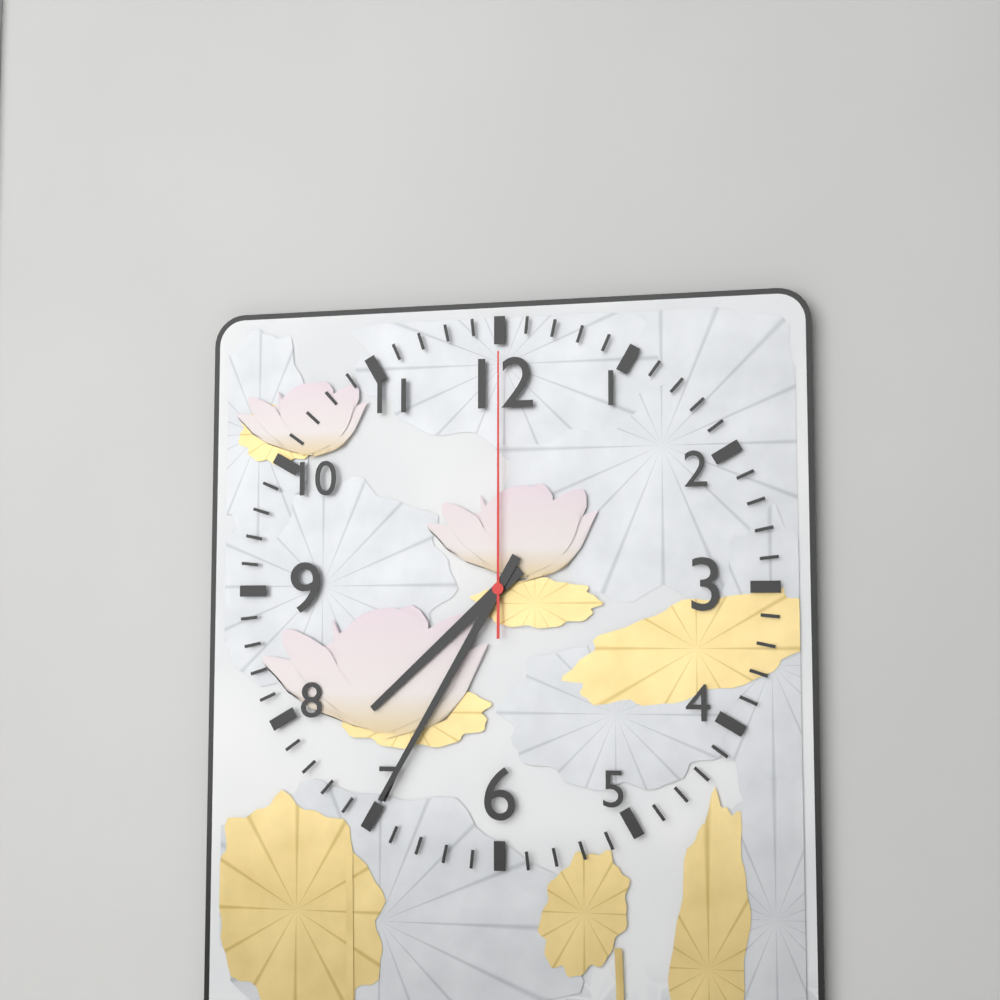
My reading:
{"hour": 7, "minute": 35, "second": 0}
